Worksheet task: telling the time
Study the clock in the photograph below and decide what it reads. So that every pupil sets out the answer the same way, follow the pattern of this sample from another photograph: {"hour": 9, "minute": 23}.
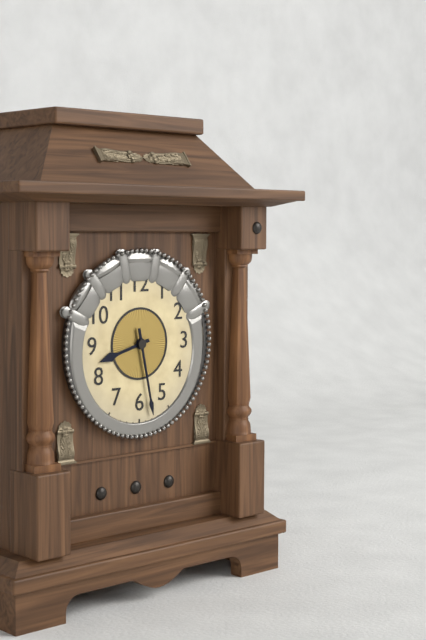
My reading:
{"hour": 8, "minute": 28}
